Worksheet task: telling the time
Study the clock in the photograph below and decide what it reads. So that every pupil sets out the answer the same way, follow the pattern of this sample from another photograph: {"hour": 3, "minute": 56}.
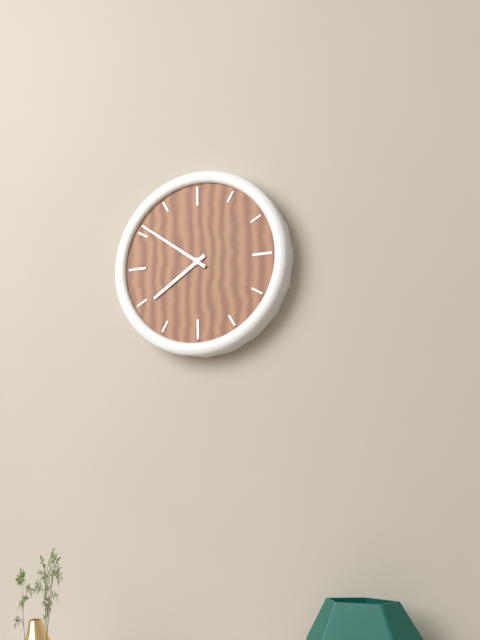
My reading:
{"hour": 7, "minute": 51}
